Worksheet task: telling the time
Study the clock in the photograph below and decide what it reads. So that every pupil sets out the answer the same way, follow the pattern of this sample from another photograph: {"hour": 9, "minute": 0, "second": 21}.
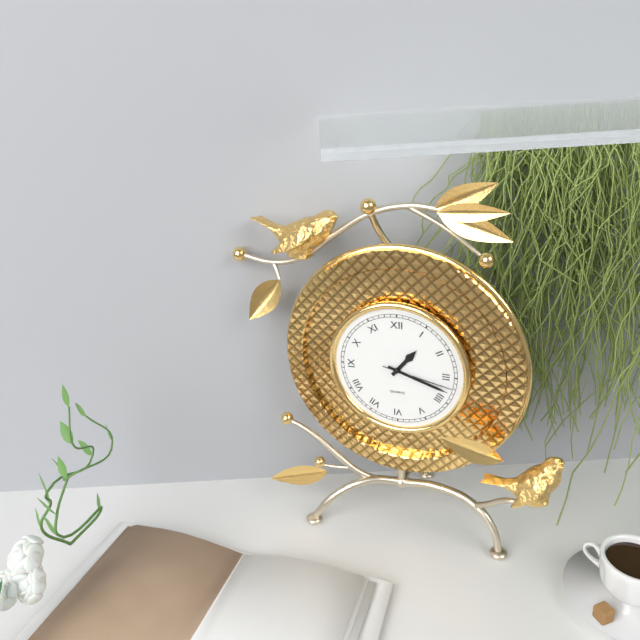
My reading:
{"hour": 1, "minute": 18, "second": 17}
